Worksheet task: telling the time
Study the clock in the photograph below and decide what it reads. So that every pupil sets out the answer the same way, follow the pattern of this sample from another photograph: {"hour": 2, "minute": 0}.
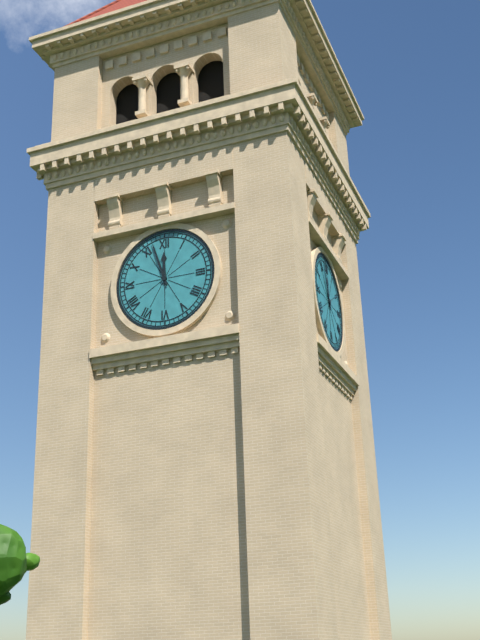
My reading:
{"hour": 11, "minute": 57}
